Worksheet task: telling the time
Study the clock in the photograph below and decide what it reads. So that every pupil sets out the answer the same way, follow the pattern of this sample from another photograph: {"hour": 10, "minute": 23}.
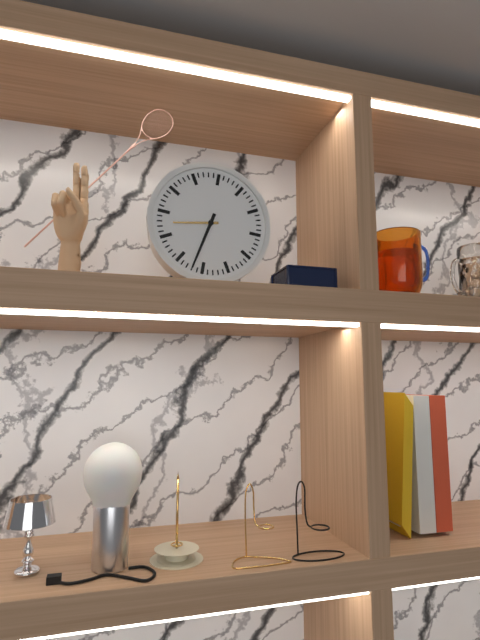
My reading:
{"hour": 8, "minute": 32}
